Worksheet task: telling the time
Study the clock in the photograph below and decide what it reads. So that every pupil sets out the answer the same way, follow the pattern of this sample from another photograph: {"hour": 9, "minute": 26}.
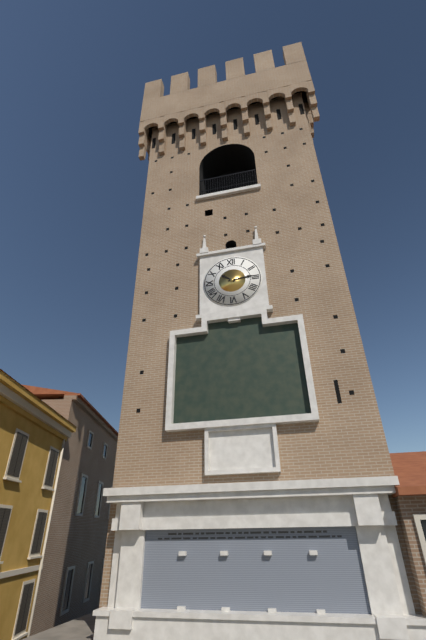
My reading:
{"hour": 10, "minute": 14}
